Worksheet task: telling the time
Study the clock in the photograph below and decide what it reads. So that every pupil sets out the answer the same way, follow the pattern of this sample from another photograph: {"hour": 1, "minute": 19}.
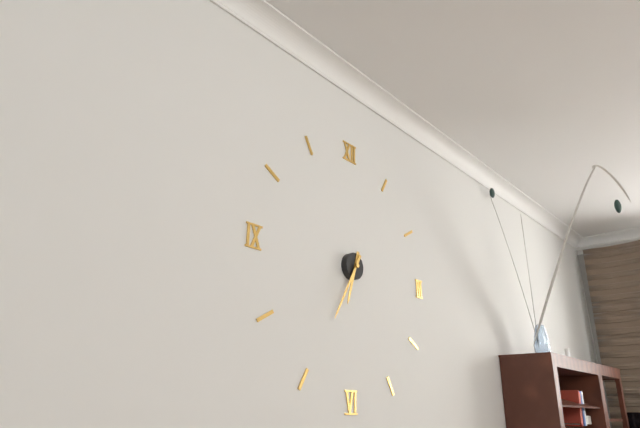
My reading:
{"hour": 6, "minute": 35}
